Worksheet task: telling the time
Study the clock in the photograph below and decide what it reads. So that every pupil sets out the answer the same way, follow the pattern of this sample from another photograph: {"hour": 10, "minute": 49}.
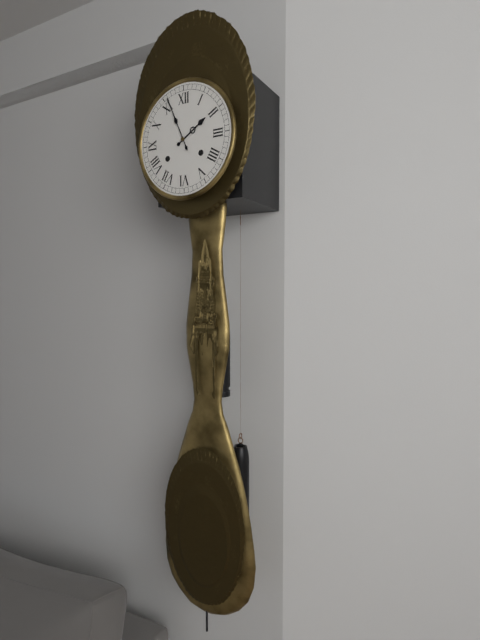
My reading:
{"hour": 1, "minute": 56}
